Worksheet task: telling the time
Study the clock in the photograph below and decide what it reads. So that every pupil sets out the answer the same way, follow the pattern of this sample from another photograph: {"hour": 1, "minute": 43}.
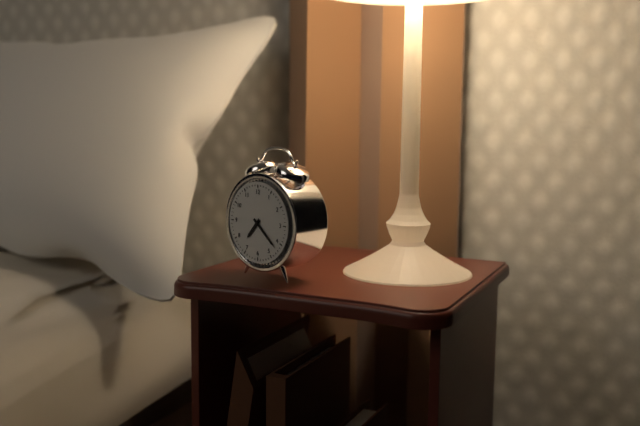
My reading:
{"hour": 7, "minute": 22}
